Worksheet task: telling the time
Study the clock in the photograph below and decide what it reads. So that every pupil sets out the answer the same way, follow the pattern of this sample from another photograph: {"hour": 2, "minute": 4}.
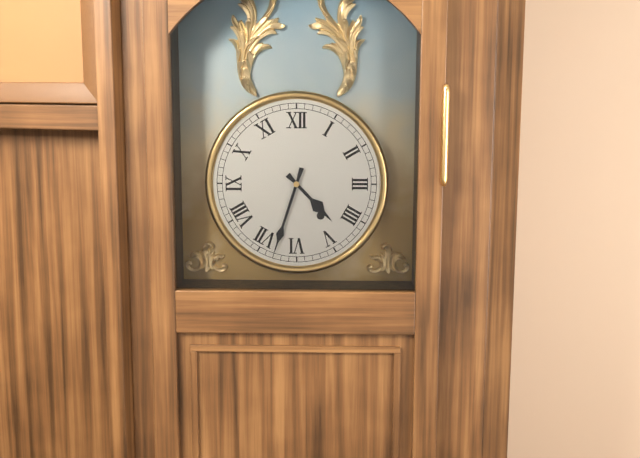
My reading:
{"hour": 4, "minute": 33}
